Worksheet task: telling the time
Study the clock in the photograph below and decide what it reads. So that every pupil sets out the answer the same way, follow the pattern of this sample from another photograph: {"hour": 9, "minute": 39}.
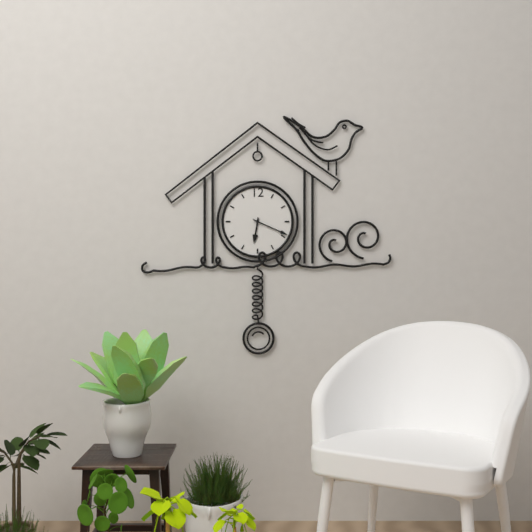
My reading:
{"hour": 6, "minute": 19}
